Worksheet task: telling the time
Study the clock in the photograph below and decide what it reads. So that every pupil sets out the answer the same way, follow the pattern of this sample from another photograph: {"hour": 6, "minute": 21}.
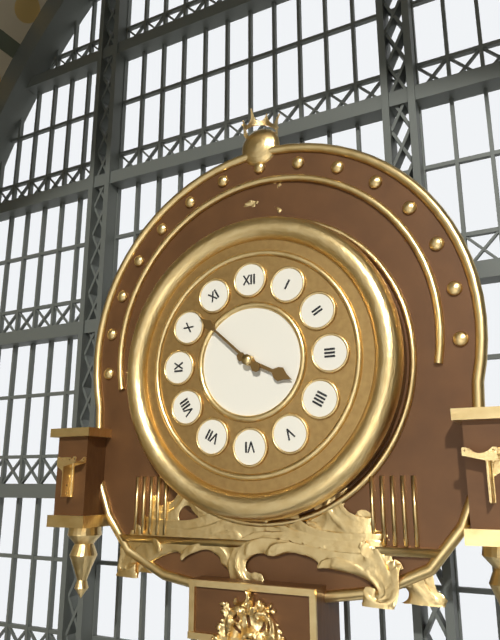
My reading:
{"hour": 3, "minute": 52}
